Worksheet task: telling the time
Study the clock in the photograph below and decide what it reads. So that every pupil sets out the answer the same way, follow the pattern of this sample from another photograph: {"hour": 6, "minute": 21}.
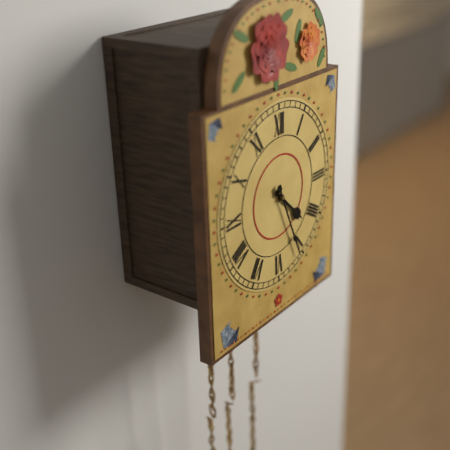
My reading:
{"hour": 4, "minute": 26}
